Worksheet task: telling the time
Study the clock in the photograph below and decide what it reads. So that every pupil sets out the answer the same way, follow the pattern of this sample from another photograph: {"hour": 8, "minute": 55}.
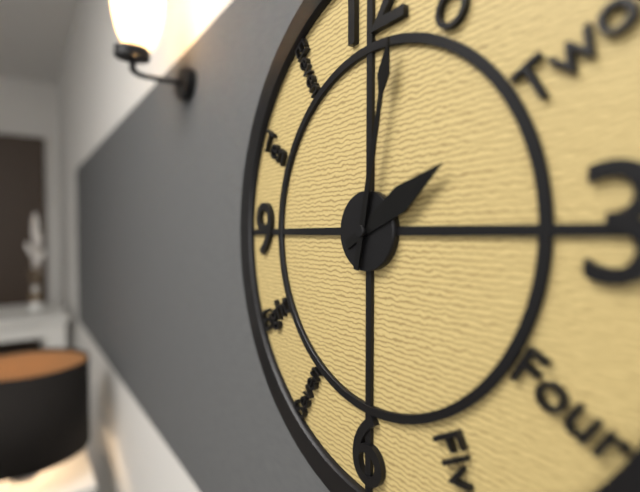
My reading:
{"hour": 2, "minute": 2}
